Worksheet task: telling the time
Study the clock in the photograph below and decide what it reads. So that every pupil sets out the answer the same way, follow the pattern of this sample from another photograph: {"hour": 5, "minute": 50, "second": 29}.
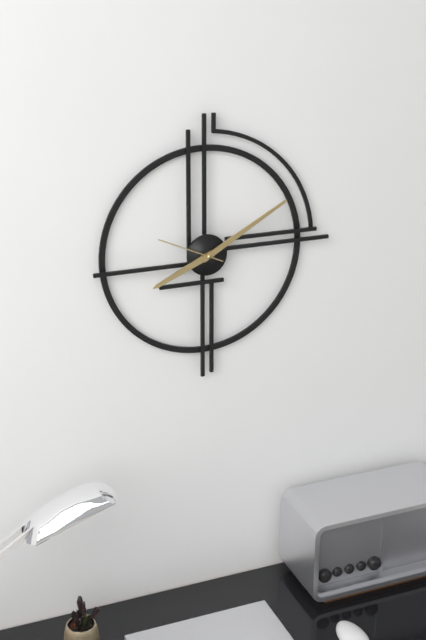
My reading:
{"hour": 8, "minute": 10, "second": 49}
